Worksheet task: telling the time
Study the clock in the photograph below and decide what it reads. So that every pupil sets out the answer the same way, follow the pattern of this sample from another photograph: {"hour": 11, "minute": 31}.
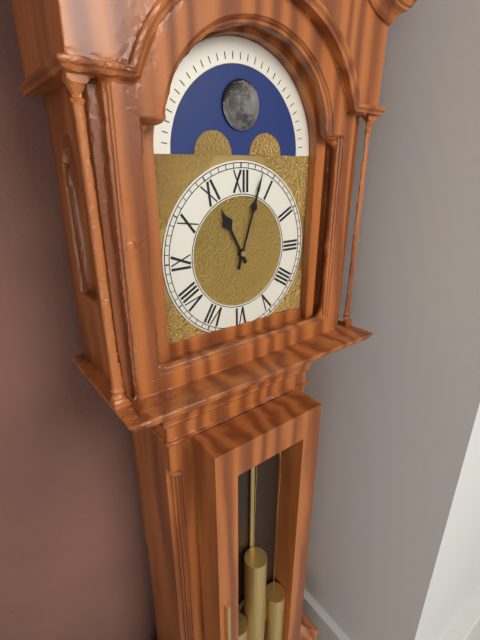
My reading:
{"hour": 11, "minute": 3}
